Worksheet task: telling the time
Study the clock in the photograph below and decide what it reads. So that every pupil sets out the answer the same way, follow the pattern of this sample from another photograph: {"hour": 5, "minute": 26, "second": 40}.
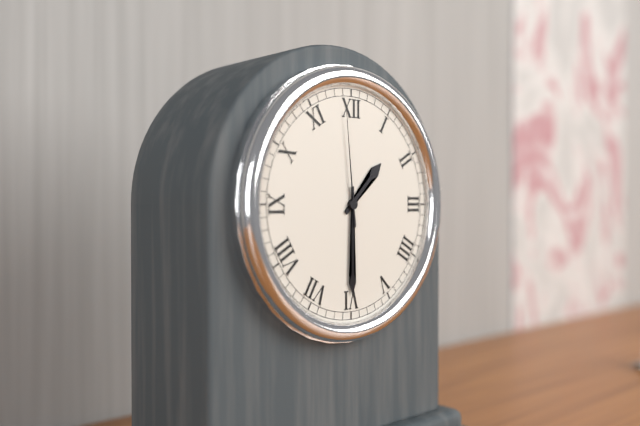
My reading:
{"hour": 1, "minute": 30, "second": 59}
